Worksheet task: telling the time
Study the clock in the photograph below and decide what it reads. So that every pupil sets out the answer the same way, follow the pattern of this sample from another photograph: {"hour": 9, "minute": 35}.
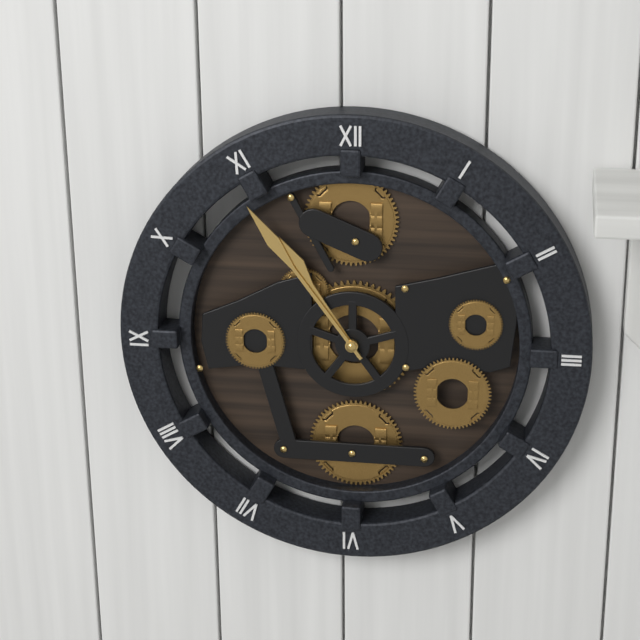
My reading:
{"hour": 10, "minute": 54}
